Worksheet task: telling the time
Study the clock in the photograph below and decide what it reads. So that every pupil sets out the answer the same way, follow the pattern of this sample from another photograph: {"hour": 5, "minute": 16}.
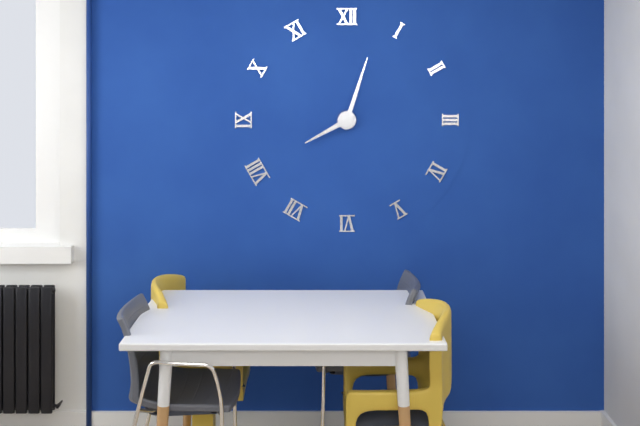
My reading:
{"hour": 8, "minute": 3}
